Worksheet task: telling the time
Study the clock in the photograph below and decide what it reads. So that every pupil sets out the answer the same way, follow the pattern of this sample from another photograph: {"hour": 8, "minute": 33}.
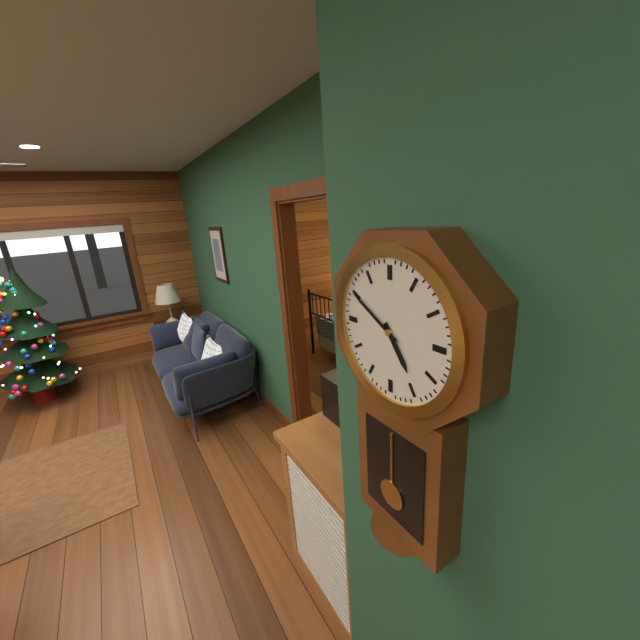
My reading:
{"hour": 4, "minute": 50}
